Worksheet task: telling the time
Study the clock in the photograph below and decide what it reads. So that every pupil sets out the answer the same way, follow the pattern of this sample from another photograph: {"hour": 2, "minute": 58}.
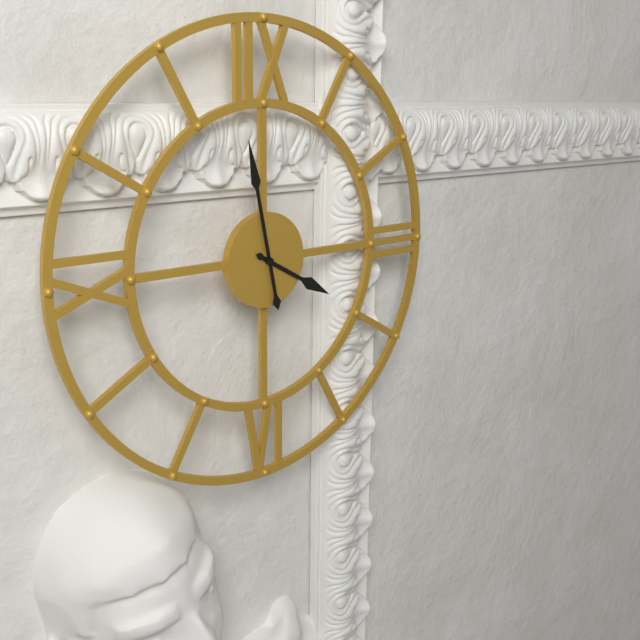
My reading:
{"hour": 3, "minute": 58}
